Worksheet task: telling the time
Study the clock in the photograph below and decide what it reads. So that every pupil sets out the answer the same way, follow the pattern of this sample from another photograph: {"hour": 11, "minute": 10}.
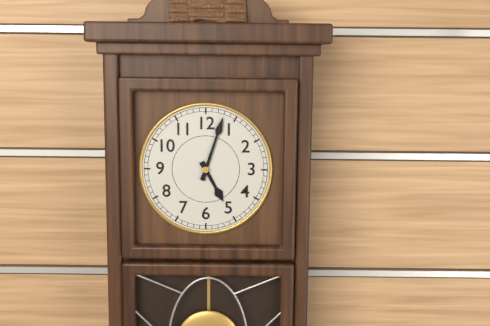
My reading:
{"hour": 5, "minute": 3}
